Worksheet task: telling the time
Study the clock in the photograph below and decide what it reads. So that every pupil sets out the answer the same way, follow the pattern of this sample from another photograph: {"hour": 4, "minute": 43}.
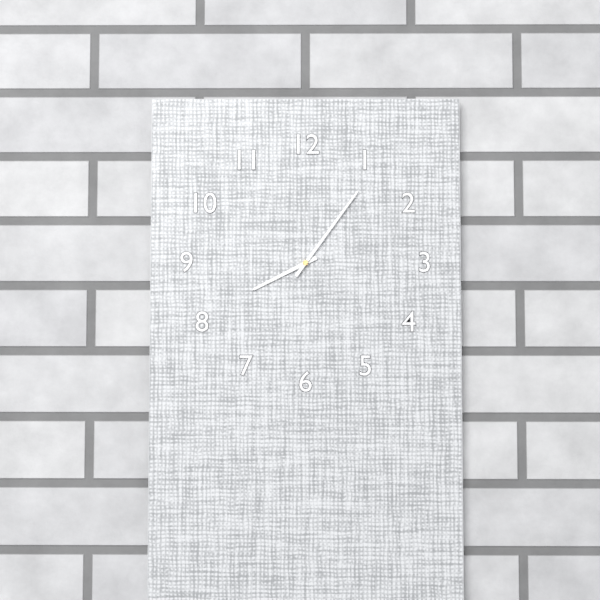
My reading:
{"hour": 8, "minute": 6}
